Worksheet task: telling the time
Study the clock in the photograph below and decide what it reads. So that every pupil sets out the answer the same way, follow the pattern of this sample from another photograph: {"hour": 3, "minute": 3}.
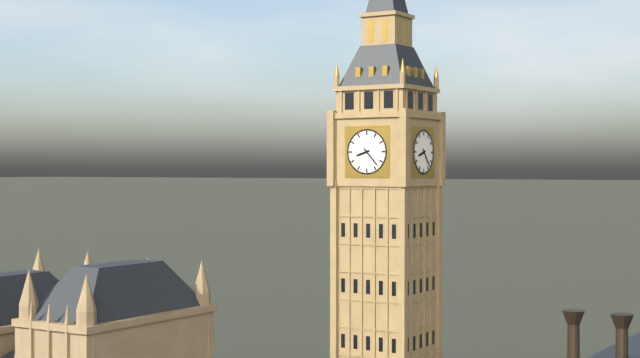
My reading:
{"hour": 8, "minute": 23}
